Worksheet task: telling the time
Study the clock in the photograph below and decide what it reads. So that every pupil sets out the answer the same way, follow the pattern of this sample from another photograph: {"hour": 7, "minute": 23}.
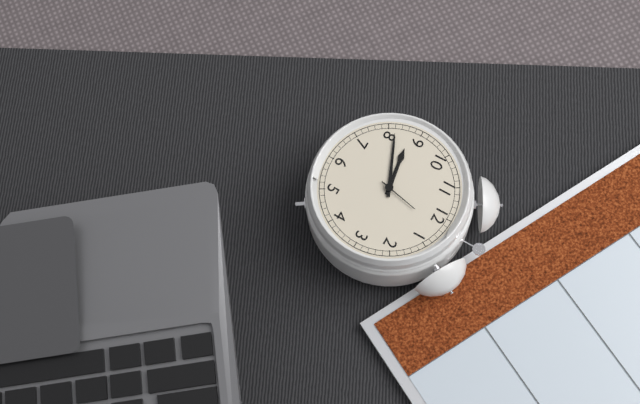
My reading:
{"hour": 8, "minute": 41}
